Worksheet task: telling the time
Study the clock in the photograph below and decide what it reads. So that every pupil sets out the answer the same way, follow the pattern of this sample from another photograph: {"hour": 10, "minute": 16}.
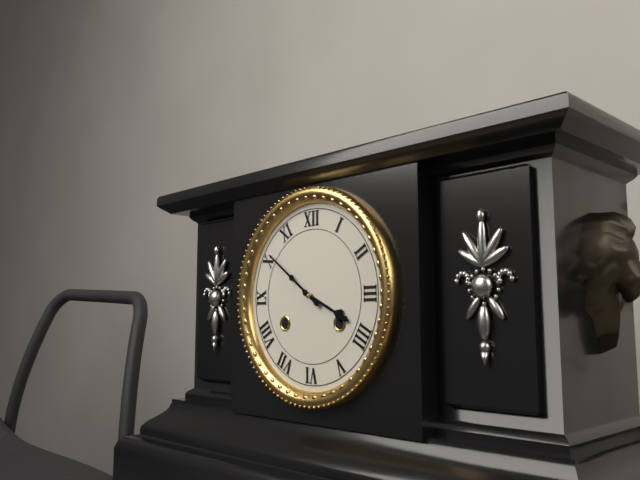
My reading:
{"hour": 3, "minute": 51}
